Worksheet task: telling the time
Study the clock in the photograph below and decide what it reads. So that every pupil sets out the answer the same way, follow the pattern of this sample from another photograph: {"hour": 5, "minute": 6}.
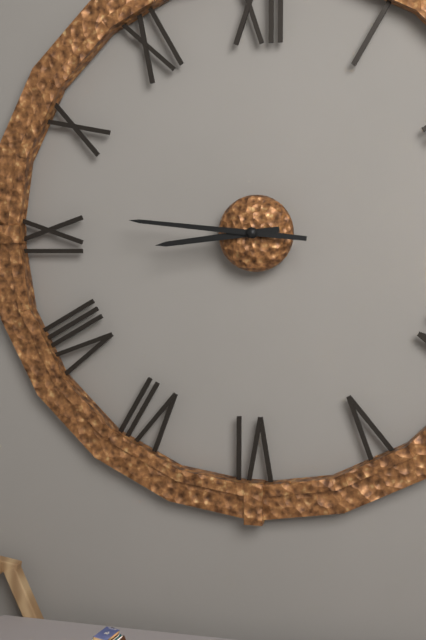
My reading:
{"hour": 8, "minute": 46}
